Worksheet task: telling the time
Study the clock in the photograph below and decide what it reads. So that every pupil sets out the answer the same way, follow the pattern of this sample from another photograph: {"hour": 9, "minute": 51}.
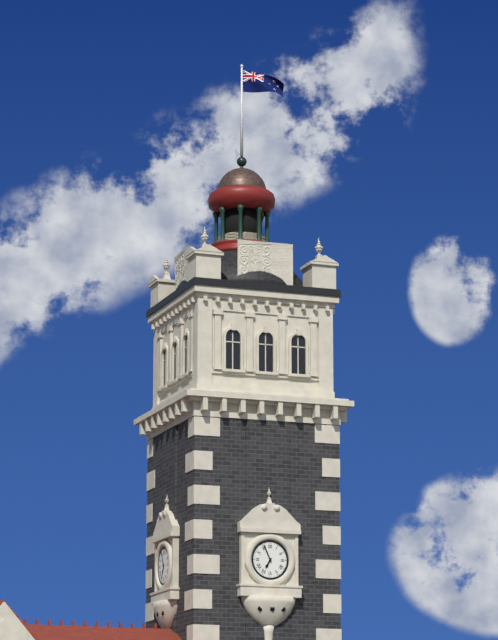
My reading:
{"hour": 6, "minute": 56}
